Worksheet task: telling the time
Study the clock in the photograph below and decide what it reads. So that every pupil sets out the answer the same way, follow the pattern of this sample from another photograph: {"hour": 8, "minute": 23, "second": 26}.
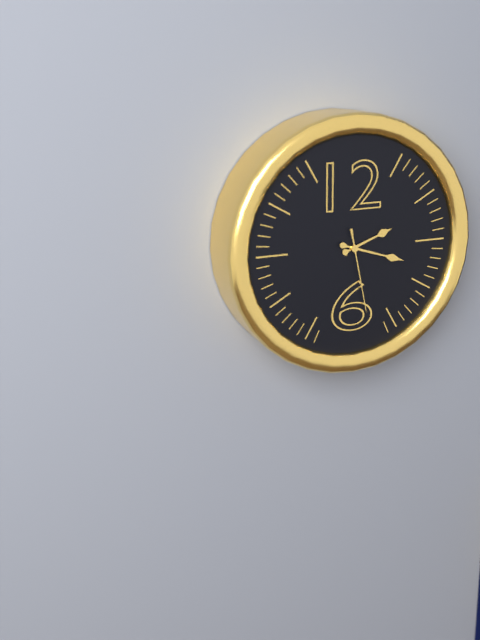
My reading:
{"hour": 2, "minute": 18, "second": 28}
